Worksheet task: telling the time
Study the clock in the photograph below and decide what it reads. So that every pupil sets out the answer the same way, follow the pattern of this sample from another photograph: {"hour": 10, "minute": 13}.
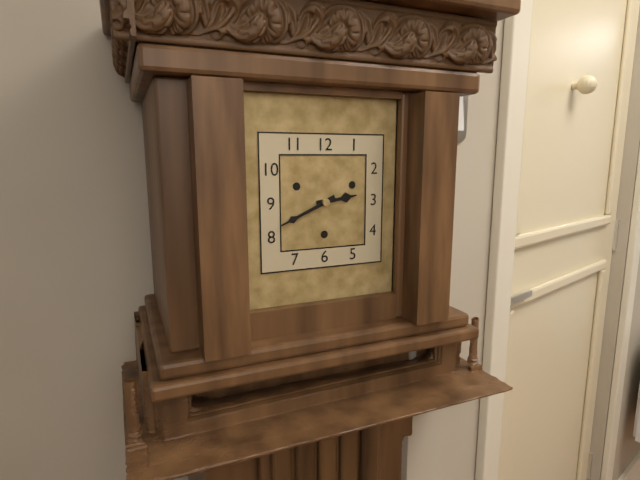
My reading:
{"hour": 2, "minute": 41}
